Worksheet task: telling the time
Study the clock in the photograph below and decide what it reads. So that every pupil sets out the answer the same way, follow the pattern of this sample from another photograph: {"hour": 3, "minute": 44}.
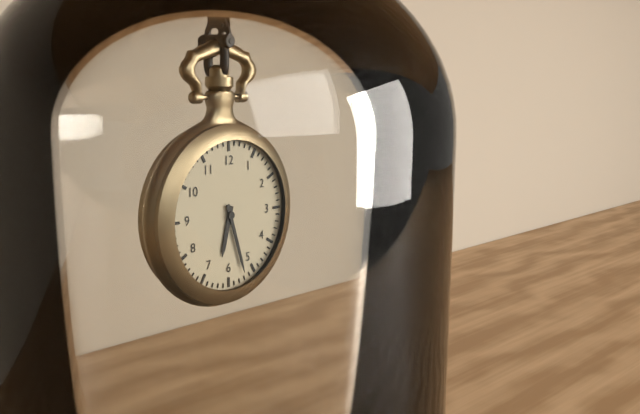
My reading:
{"hour": 6, "minute": 27}
